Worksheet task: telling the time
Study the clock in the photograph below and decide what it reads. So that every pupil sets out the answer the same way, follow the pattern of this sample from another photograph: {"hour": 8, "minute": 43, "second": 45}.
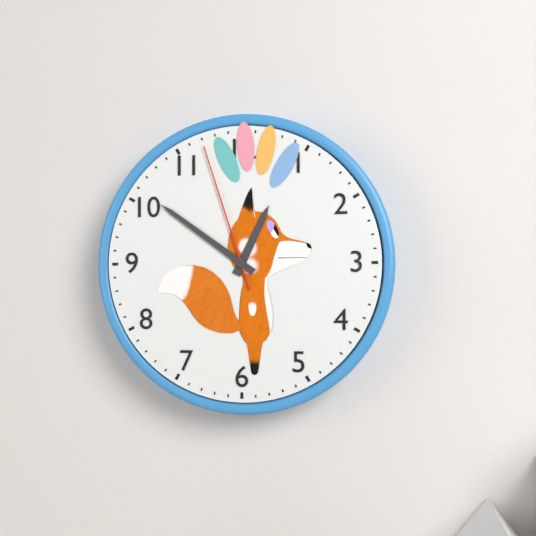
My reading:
{"hour": 12, "minute": 51, "second": 57}
